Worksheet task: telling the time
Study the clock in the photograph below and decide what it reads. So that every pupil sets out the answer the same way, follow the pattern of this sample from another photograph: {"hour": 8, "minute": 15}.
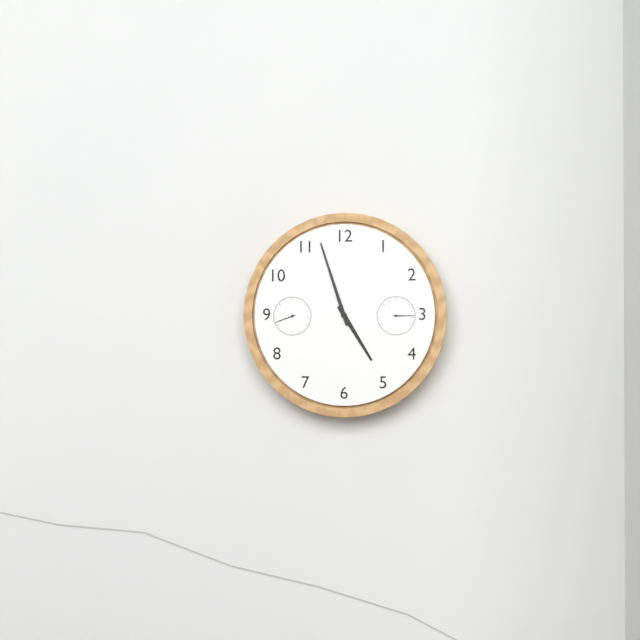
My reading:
{"hour": 4, "minute": 57}
